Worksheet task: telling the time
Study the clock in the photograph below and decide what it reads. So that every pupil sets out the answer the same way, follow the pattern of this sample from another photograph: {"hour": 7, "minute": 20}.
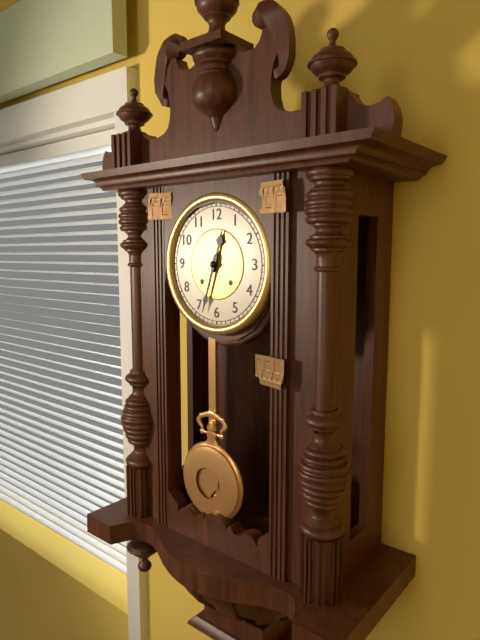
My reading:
{"hour": 12, "minute": 33}
